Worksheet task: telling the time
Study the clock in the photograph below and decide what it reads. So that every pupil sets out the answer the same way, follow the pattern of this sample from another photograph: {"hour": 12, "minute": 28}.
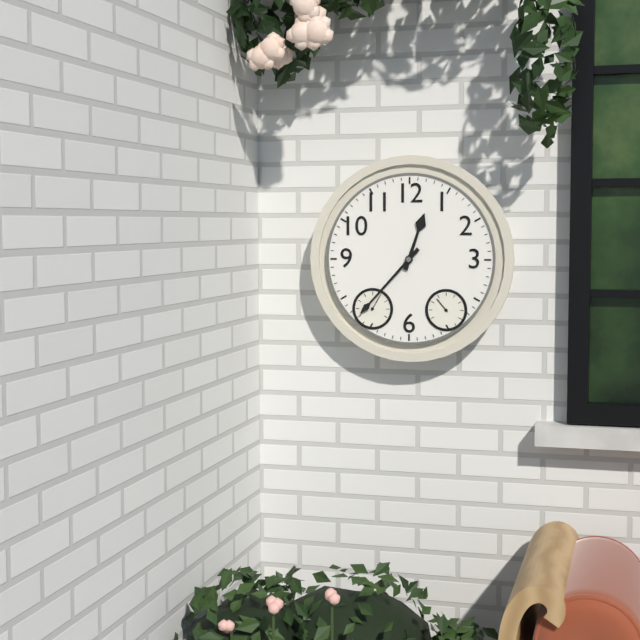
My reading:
{"hour": 12, "minute": 37}
